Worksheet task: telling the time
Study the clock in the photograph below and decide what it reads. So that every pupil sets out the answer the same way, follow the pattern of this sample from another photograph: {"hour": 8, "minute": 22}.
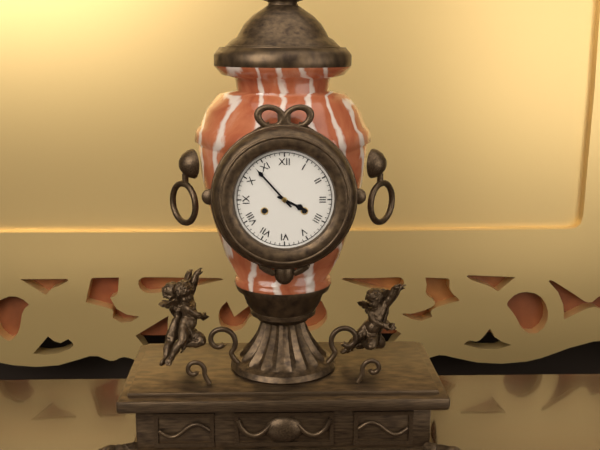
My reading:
{"hour": 3, "minute": 53}
